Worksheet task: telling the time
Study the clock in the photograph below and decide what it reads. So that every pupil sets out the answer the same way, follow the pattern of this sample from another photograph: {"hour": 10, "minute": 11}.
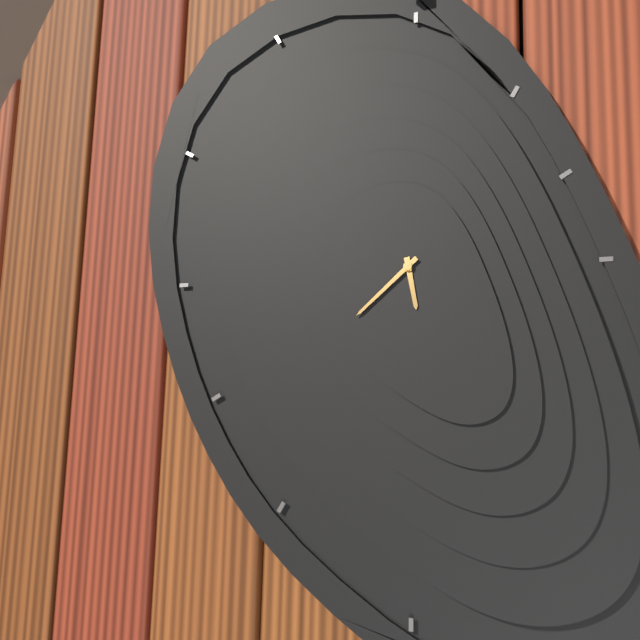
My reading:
{"hour": 5, "minute": 38}
